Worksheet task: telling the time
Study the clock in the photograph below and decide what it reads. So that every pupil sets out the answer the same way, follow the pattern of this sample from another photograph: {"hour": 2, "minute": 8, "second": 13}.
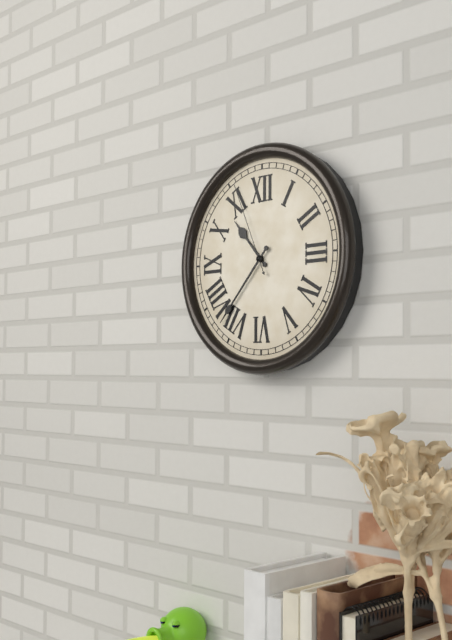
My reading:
{"hour": 10, "minute": 37, "second": 56}
